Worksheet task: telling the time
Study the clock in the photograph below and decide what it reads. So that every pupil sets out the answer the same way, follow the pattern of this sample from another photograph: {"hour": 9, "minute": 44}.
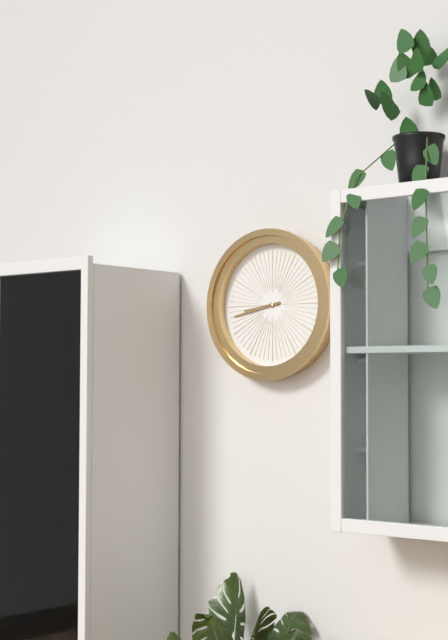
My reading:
{"hour": 8, "minute": 43}
